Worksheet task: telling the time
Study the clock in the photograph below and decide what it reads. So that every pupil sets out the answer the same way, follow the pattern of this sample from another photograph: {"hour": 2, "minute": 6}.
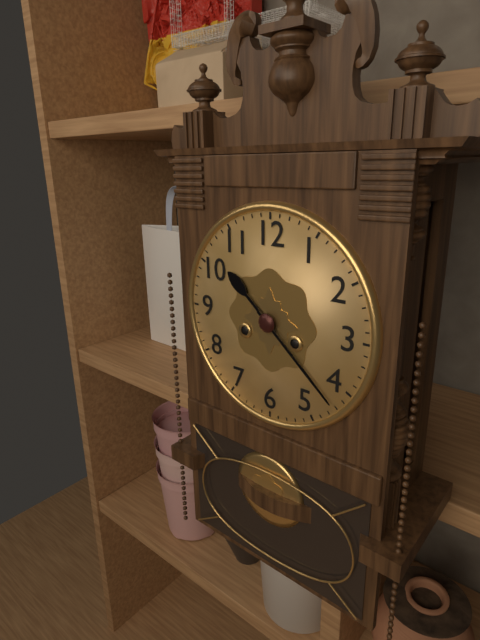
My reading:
{"hour": 10, "minute": 22}
